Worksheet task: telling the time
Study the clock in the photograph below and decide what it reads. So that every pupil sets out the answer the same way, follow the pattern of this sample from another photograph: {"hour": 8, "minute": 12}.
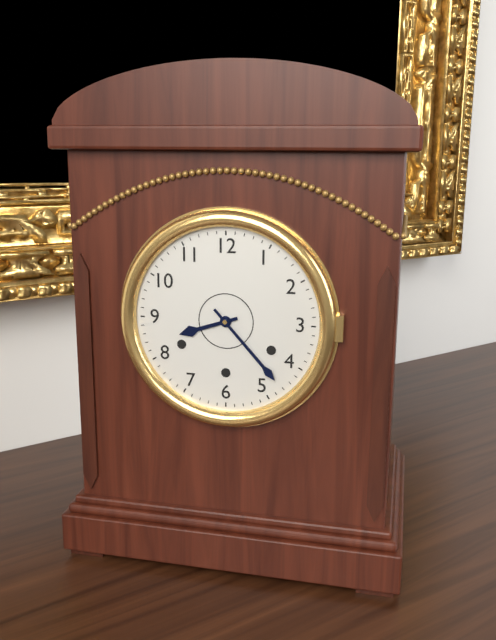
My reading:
{"hour": 8, "minute": 23}
